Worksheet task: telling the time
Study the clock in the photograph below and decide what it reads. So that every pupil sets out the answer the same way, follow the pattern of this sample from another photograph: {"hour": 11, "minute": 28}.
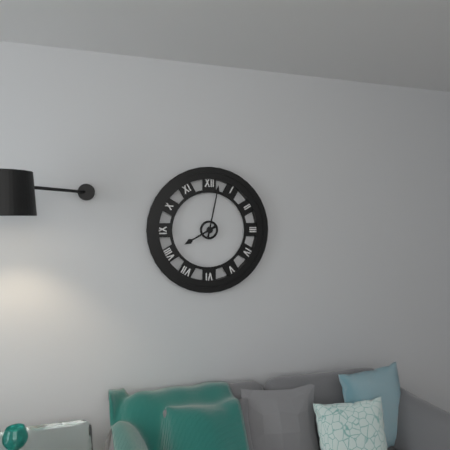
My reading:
{"hour": 8, "minute": 2}
